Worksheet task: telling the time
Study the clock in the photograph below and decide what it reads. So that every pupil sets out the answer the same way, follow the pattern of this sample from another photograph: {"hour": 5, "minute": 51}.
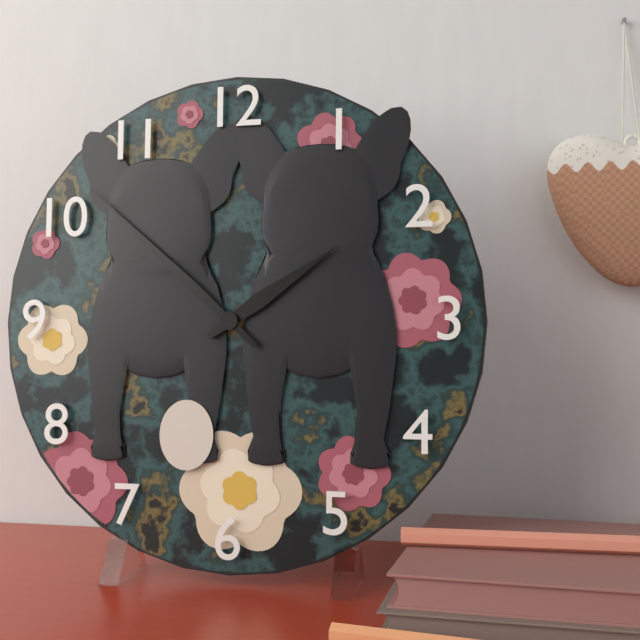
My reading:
{"hour": 1, "minute": 52}
